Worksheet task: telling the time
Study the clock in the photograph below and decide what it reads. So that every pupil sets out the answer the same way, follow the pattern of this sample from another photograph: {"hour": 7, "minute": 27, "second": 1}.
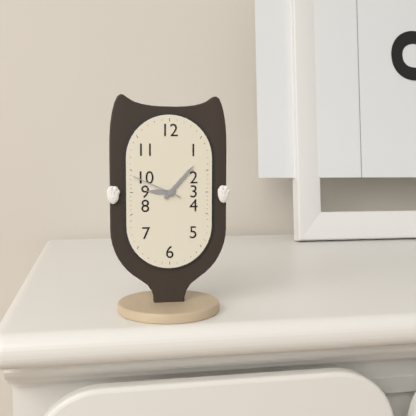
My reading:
{"hour": 9, "minute": 7, "second": 49}
